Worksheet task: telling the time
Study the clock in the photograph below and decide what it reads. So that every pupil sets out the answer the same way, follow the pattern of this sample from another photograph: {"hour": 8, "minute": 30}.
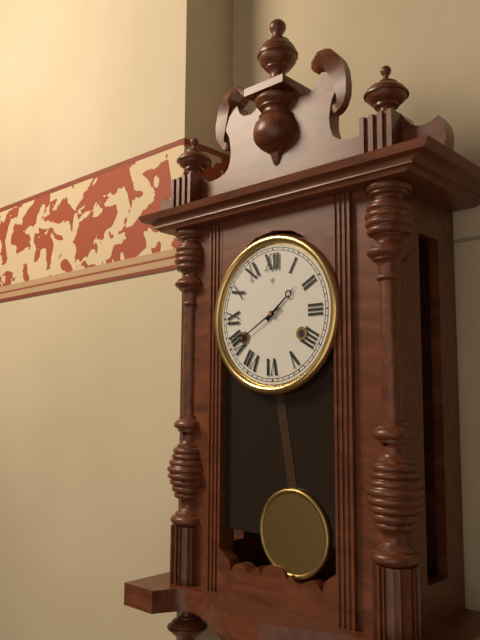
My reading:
{"hour": 1, "minute": 40}
